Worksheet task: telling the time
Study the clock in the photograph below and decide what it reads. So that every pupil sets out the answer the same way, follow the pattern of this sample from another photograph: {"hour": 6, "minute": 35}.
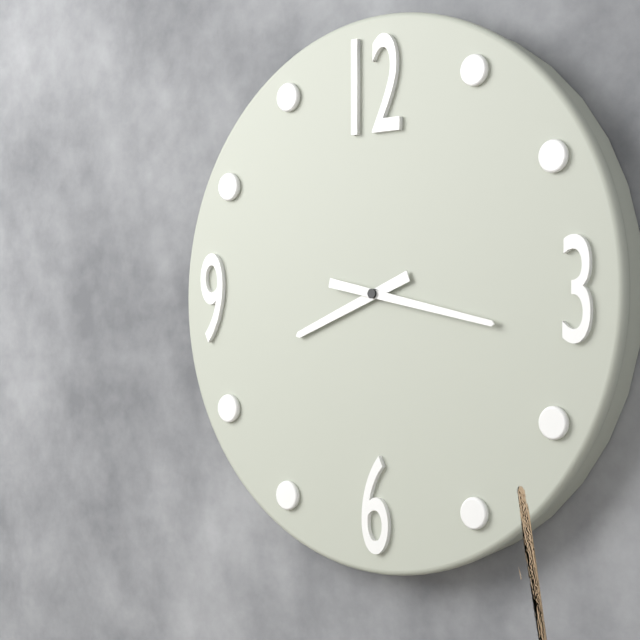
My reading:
{"hour": 8, "minute": 17}
